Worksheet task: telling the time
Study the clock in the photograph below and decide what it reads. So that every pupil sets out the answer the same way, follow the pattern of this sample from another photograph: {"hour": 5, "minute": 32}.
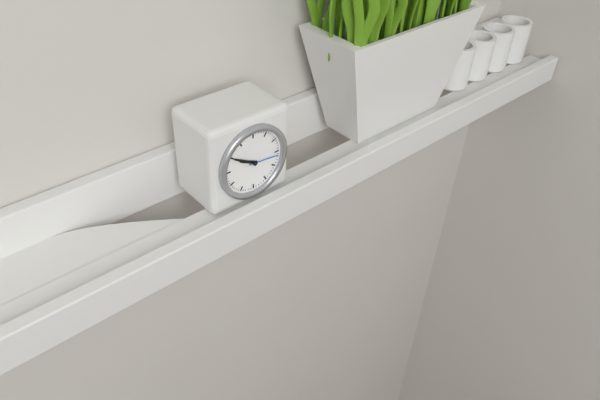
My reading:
{"hour": 9, "minute": 50}
